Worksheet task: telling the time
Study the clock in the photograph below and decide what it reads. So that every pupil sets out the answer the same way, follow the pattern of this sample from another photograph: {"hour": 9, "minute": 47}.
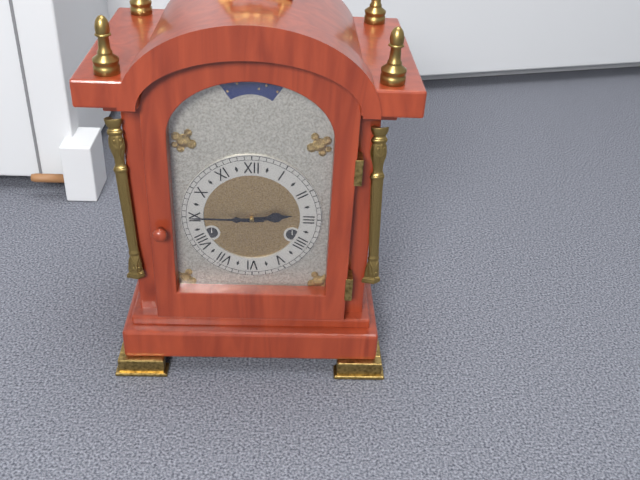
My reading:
{"hour": 2, "minute": 45}
